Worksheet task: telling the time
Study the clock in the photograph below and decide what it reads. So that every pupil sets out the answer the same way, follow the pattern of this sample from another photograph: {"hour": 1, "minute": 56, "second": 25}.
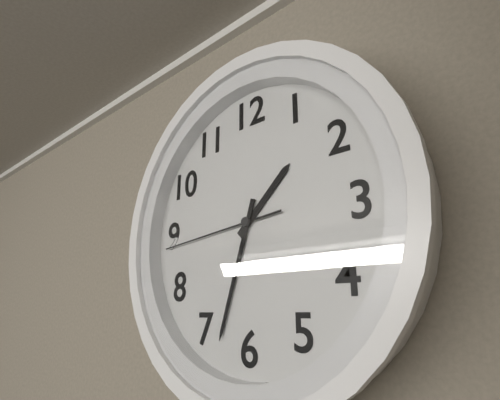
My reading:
{"hour": 1, "minute": 33, "second": 44}
